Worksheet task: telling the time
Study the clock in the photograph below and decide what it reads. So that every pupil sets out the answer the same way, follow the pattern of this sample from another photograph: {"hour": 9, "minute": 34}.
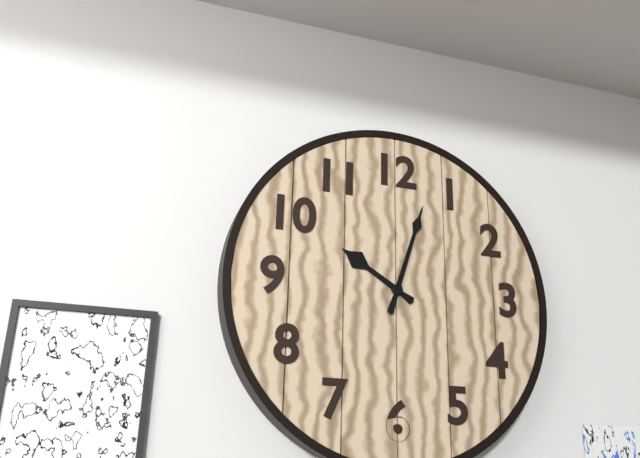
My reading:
{"hour": 10, "minute": 3}
